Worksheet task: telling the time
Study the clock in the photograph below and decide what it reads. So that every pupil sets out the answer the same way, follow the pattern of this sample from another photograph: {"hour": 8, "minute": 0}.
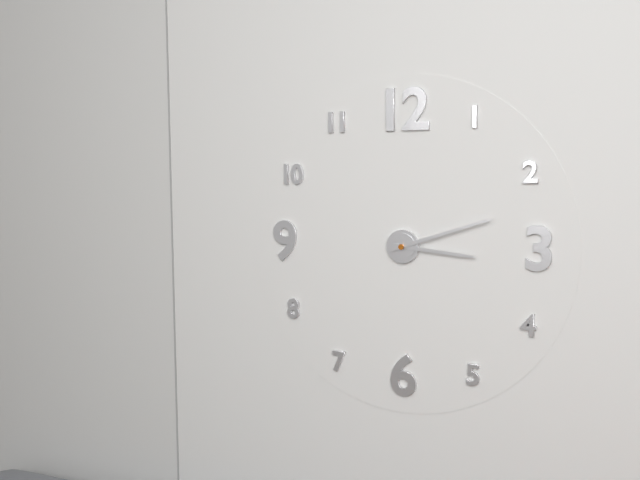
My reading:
{"hour": 3, "minute": 12}
